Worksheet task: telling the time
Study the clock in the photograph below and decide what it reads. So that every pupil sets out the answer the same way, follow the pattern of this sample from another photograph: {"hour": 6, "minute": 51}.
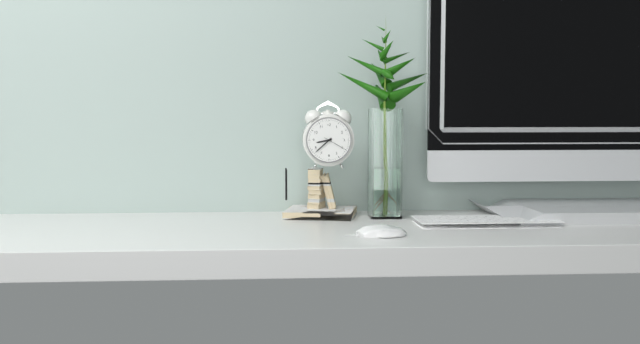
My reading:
{"hour": 8, "minute": 38}
